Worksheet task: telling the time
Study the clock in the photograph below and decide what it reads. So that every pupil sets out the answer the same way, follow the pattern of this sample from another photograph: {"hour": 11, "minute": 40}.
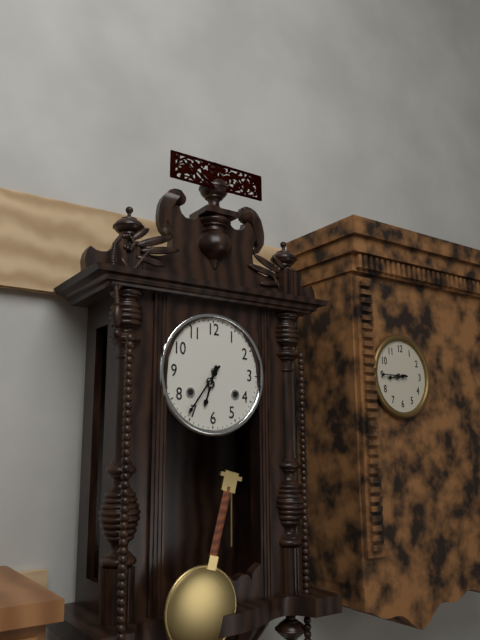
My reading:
{"hour": 6, "minute": 36}
